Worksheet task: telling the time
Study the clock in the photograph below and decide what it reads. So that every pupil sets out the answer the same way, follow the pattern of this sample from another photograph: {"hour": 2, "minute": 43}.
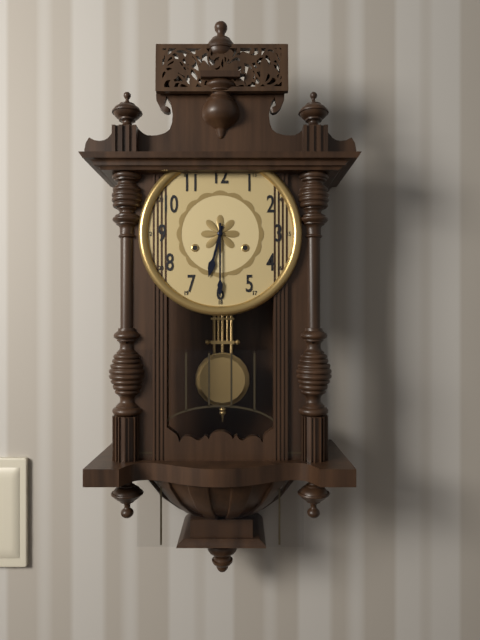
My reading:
{"hour": 6, "minute": 30}
